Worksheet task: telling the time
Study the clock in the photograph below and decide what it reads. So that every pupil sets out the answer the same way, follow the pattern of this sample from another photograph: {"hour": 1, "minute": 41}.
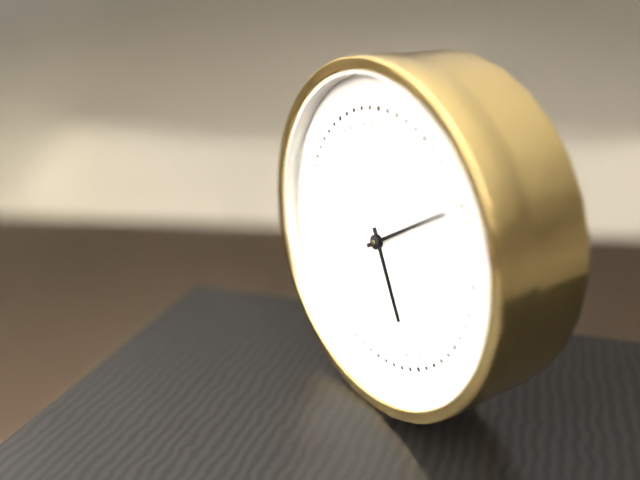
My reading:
{"hour": 5, "minute": 10}
